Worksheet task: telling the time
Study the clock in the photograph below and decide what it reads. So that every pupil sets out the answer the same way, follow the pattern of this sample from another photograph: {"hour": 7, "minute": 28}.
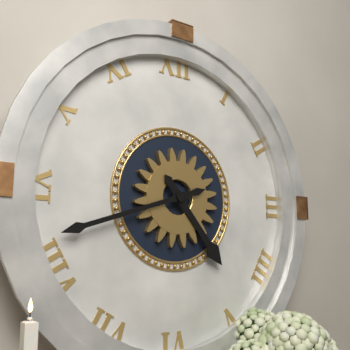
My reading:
{"hour": 4, "minute": 42}
